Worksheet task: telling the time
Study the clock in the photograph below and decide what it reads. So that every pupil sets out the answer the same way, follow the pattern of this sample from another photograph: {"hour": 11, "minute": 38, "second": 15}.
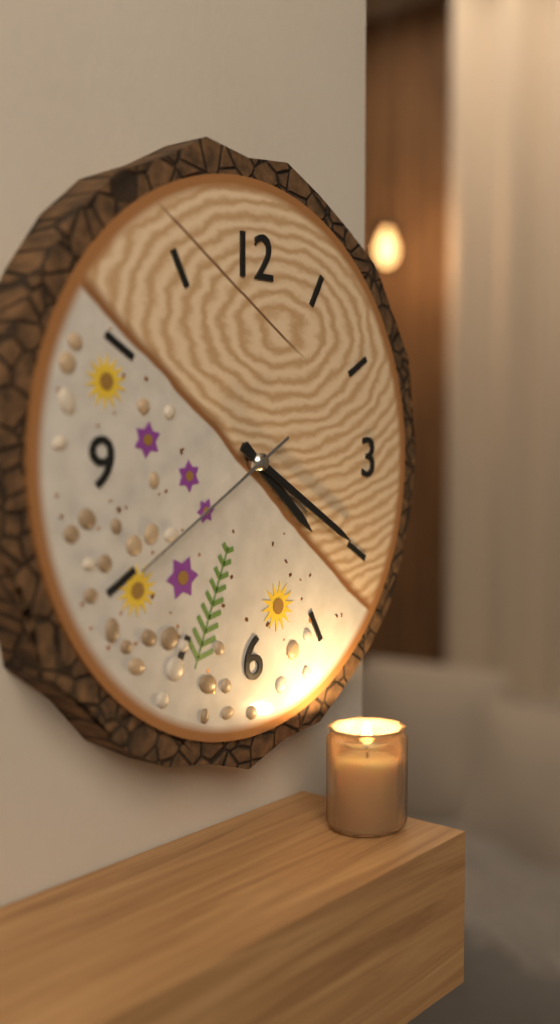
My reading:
{"hour": 4, "minute": 20, "second": 40}
